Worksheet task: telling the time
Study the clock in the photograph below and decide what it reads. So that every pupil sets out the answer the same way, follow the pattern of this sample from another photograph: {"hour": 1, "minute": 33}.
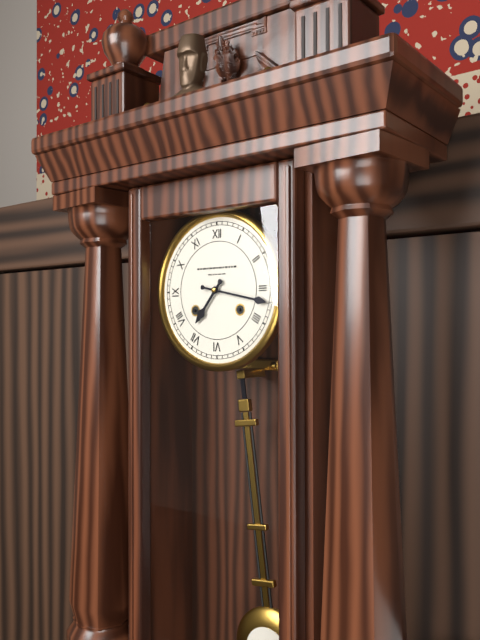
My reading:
{"hour": 7, "minute": 17}
